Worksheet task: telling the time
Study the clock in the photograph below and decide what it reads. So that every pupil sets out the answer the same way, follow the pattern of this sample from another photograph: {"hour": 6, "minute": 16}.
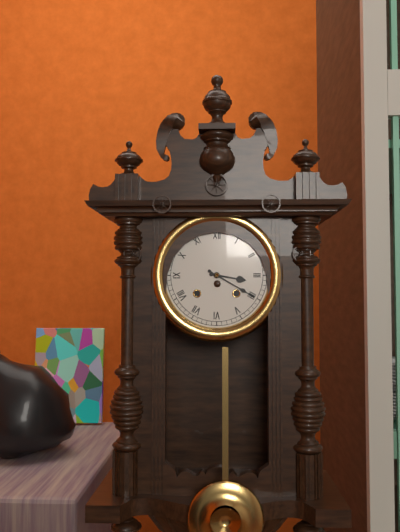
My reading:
{"hour": 3, "minute": 20}
